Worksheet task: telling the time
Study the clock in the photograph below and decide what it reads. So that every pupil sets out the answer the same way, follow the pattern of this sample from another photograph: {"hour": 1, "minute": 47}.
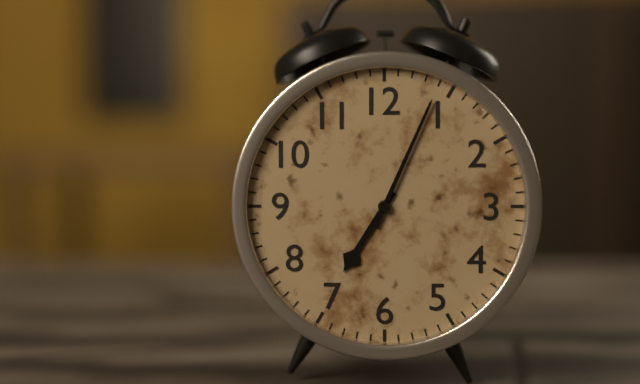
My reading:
{"hour": 7, "minute": 4}
